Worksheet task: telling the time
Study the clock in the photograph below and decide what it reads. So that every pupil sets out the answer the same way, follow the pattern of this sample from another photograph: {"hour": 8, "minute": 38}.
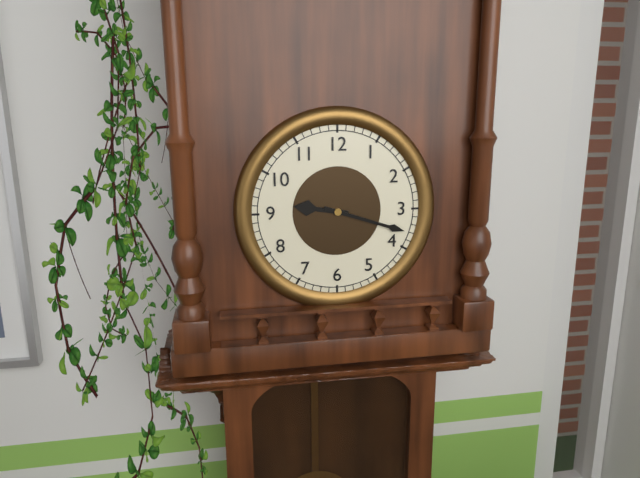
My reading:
{"hour": 9, "minute": 18}
